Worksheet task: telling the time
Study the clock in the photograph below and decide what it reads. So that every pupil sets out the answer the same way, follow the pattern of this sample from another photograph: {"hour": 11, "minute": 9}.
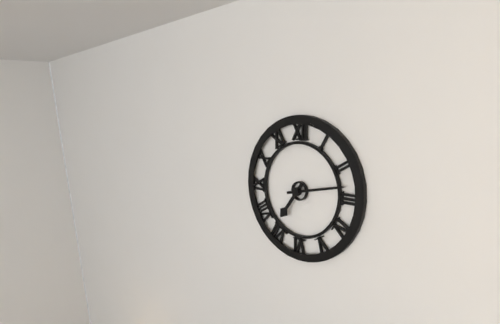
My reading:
{"hour": 7, "minute": 13}
